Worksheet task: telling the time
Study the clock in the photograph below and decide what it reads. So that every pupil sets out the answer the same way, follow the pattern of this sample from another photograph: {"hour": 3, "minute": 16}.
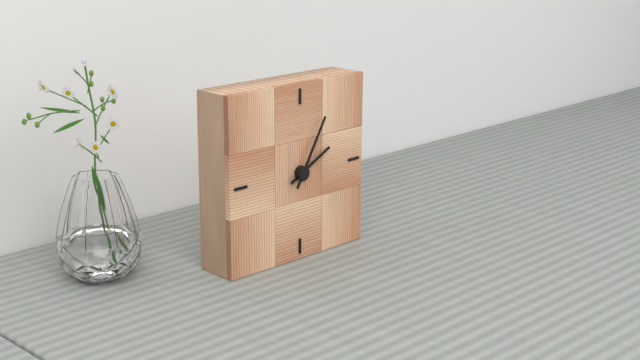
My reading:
{"hour": 2, "minute": 5}
